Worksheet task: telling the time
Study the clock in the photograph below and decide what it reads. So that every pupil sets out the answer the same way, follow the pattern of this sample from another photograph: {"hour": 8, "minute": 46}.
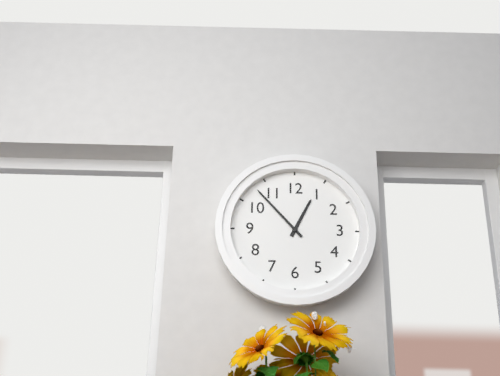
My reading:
{"hour": 12, "minute": 53}
